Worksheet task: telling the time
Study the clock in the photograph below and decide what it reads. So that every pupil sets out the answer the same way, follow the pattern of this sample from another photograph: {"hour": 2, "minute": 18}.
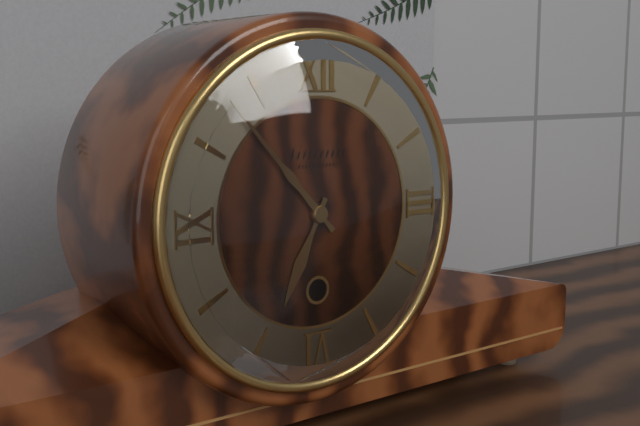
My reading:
{"hour": 6, "minute": 53}
